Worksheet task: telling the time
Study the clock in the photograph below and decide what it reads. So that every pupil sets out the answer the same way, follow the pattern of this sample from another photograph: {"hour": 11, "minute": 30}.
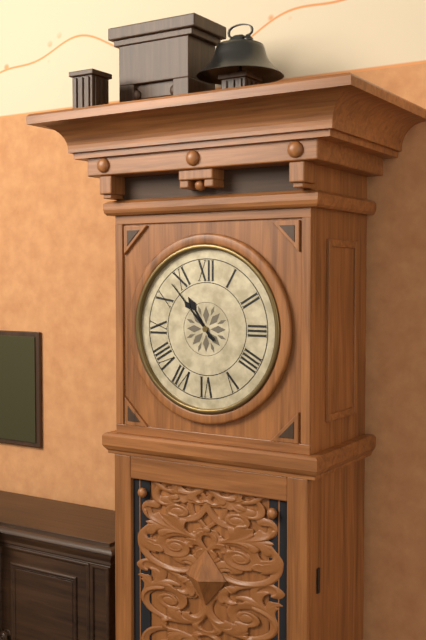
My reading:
{"hour": 10, "minute": 53}
